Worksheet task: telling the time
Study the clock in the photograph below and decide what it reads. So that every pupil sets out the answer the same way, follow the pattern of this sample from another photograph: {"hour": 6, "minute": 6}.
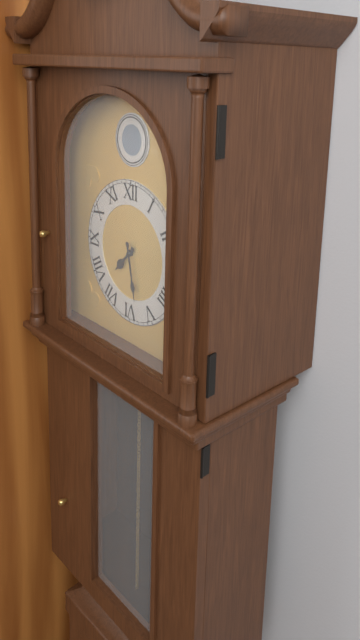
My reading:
{"hour": 7, "minute": 28}
